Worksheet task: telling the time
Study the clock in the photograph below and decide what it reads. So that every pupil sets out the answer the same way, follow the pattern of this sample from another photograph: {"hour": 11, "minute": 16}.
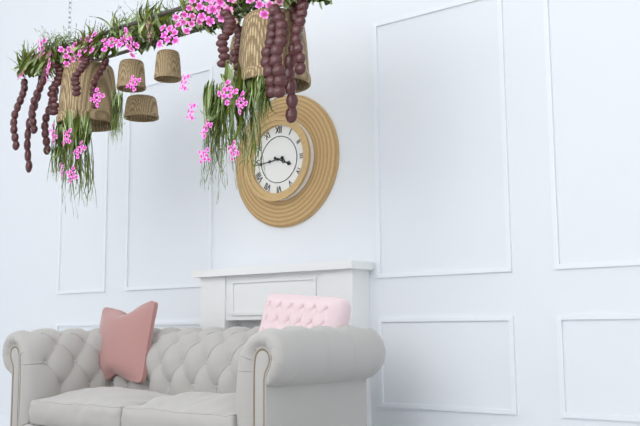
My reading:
{"hour": 3, "minute": 44}
